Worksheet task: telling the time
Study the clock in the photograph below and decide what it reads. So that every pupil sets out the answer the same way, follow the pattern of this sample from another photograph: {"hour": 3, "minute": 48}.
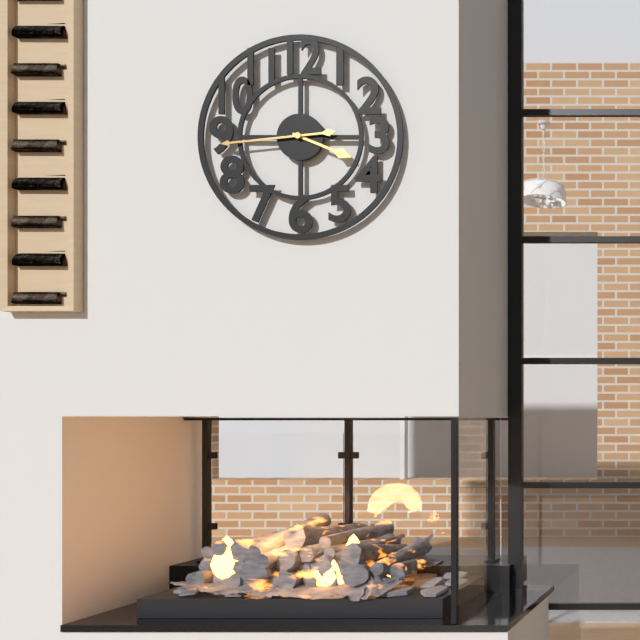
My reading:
{"hour": 3, "minute": 44}
